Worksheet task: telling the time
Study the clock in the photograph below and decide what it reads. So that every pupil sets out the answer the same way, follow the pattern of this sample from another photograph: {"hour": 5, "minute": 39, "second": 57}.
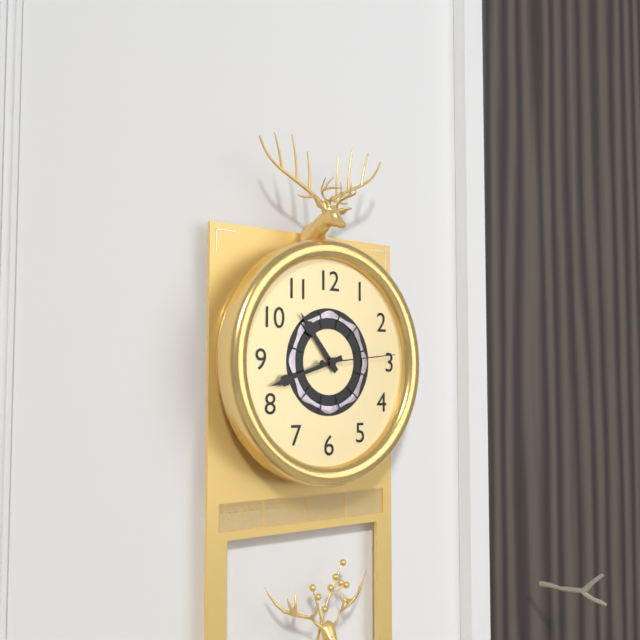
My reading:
{"hour": 10, "minute": 42, "second": 14}
